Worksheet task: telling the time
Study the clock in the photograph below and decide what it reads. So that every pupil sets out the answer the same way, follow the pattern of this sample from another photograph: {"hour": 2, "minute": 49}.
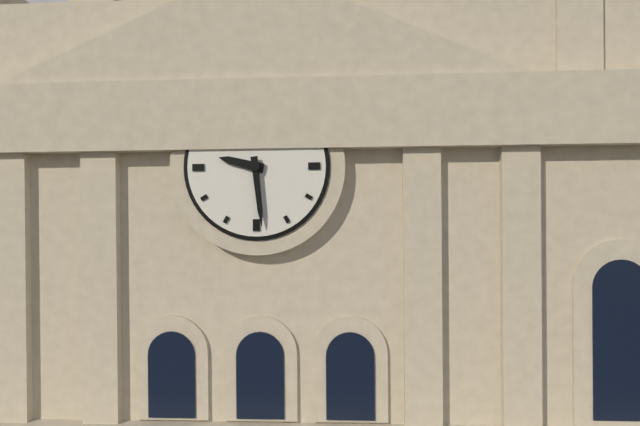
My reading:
{"hour": 9, "minute": 29}
